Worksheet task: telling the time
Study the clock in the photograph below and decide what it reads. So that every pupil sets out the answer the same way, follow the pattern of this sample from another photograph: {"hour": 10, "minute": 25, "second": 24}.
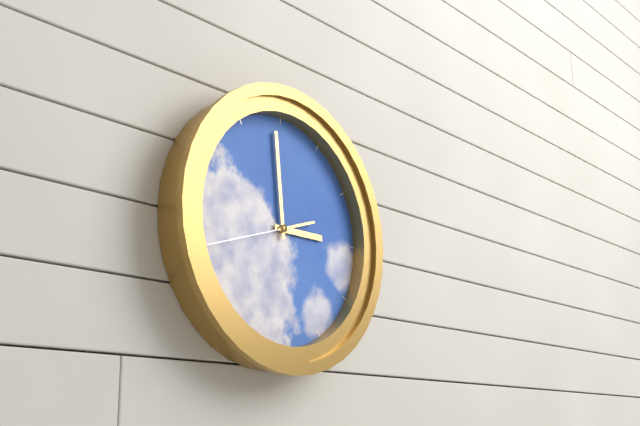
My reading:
{"hour": 2, "minute": 59, "second": 42}
